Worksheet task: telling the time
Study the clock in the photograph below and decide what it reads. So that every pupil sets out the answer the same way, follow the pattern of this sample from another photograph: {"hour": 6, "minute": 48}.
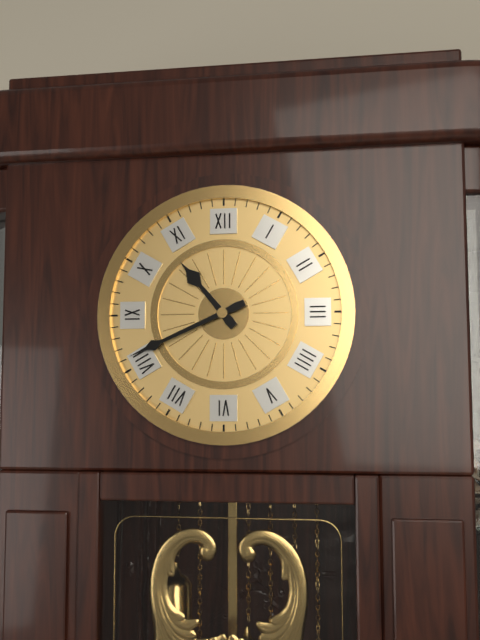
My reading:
{"hour": 10, "minute": 41}
